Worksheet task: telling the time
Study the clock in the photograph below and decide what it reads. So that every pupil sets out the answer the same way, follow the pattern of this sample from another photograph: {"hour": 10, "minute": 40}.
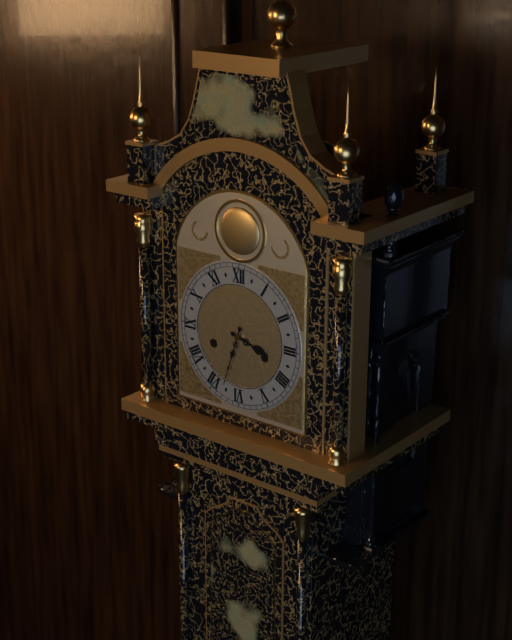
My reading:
{"hour": 3, "minute": 33}
